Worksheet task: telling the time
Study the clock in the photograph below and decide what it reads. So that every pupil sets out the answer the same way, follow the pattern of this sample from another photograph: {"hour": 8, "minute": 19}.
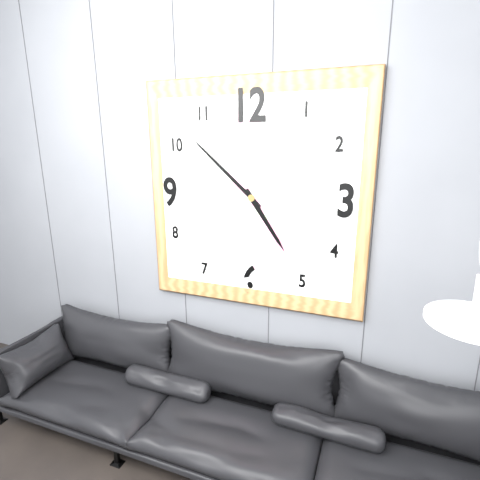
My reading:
{"hour": 4, "minute": 52}
